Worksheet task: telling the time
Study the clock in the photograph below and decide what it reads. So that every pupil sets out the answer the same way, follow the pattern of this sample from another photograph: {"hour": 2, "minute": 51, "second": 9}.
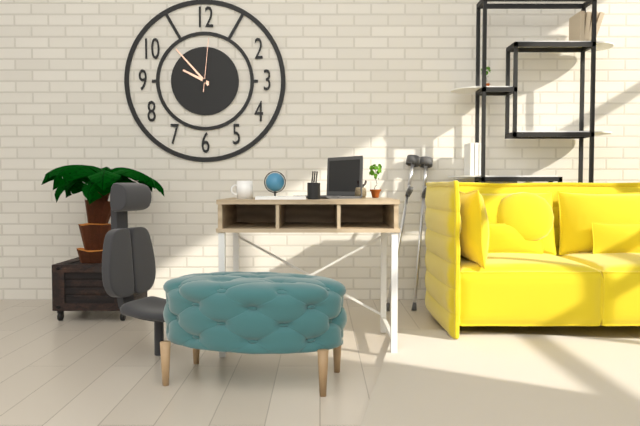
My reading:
{"hour": 9, "minute": 53, "second": 1}
